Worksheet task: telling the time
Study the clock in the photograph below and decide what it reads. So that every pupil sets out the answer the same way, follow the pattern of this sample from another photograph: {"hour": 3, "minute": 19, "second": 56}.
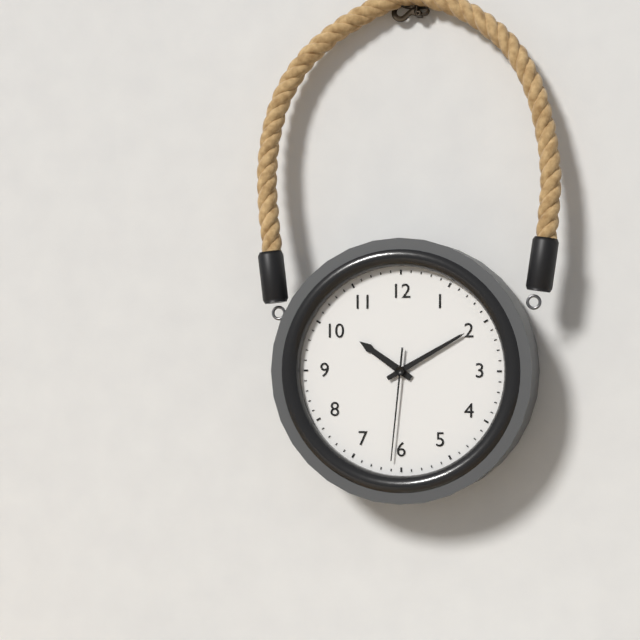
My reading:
{"hour": 10, "minute": 10, "second": 31}
